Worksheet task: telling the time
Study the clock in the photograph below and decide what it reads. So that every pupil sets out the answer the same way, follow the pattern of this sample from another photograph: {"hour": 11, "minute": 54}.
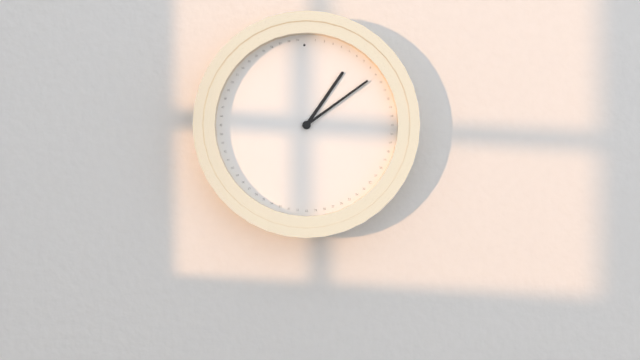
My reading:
{"hour": 1, "minute": 9}
